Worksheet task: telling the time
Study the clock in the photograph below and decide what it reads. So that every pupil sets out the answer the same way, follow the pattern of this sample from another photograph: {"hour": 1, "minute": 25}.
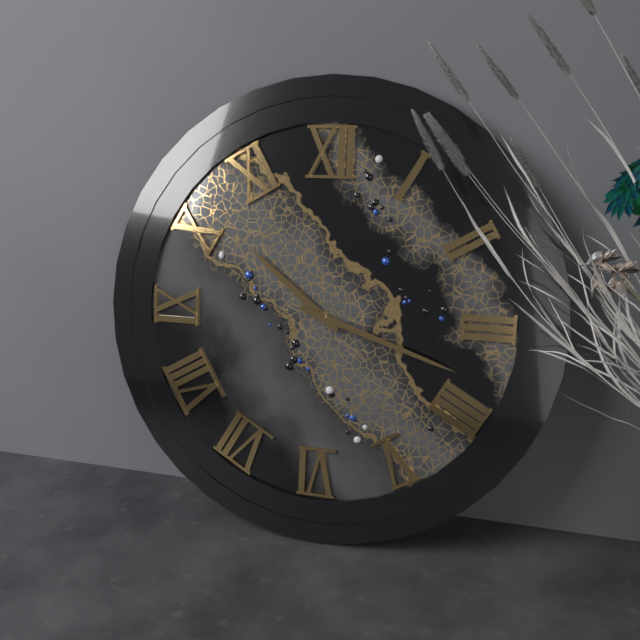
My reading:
{"hour": 10, "minute": 18}
